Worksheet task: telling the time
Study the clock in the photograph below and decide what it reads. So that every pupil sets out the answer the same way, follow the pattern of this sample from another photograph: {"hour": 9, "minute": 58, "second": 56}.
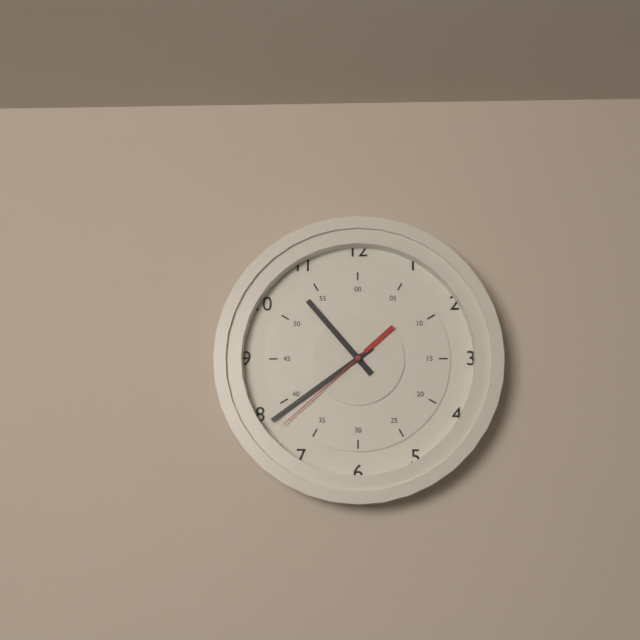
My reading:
{"hour": 10, "minute": 39, "second": 38}
